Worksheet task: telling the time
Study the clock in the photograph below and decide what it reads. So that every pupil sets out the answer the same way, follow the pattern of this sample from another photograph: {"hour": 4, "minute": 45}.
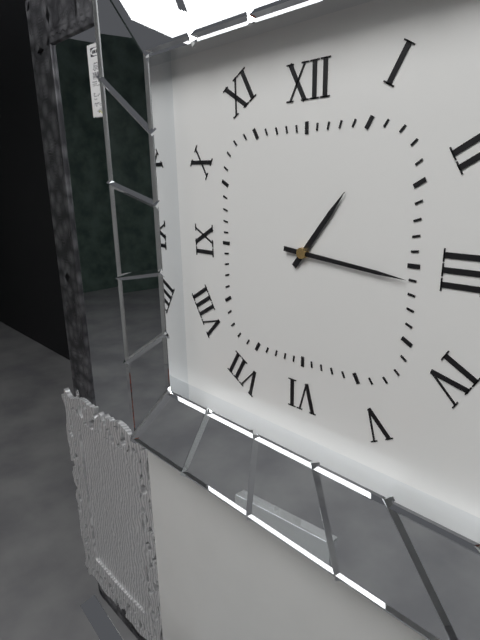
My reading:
{"hour": 1, "minute": 16}
